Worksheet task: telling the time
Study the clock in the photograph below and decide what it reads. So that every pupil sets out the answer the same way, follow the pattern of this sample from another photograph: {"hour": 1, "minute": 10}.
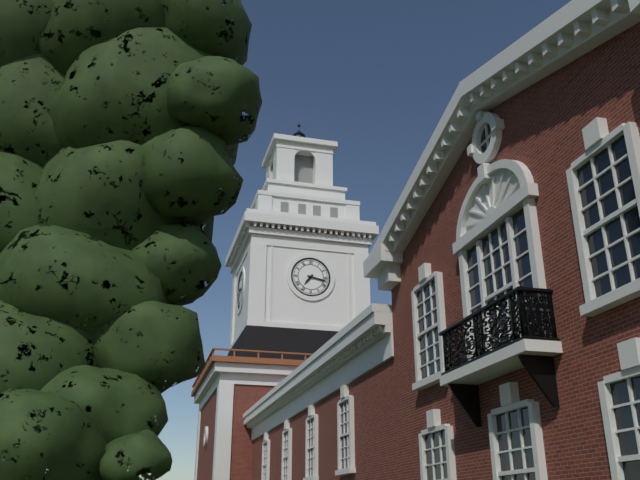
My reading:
{"hour": 7, "minute": 17}
